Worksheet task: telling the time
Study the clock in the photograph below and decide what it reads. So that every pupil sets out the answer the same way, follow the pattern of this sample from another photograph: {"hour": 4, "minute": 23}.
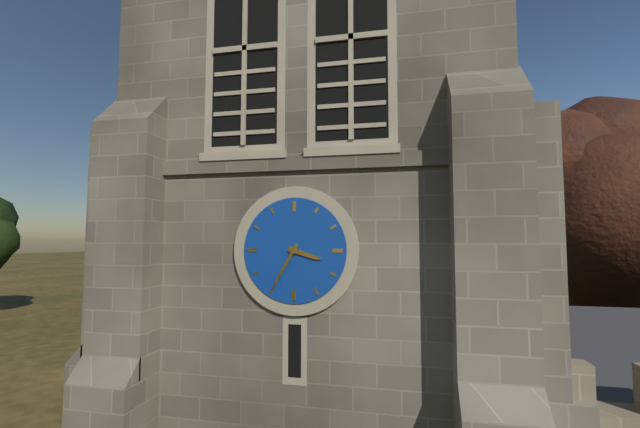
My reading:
{"hour": 3, "minute": 35}
